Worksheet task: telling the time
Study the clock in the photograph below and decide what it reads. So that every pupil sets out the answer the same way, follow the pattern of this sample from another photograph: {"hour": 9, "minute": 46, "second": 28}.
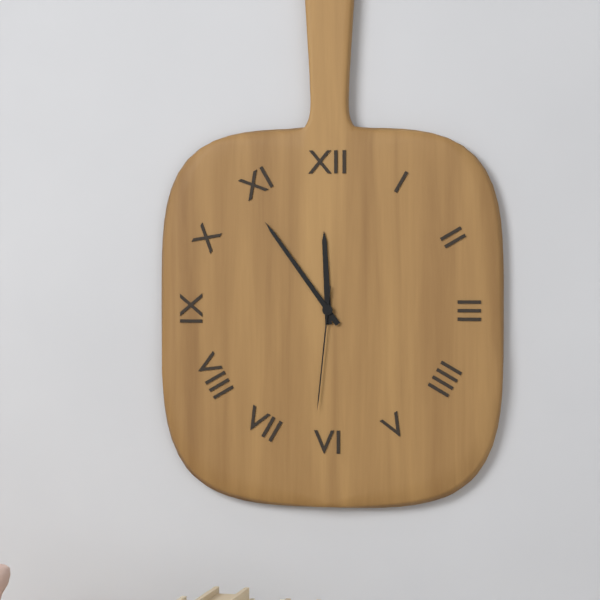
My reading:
{"hour": 11, "minute": 54, "second": 31}
